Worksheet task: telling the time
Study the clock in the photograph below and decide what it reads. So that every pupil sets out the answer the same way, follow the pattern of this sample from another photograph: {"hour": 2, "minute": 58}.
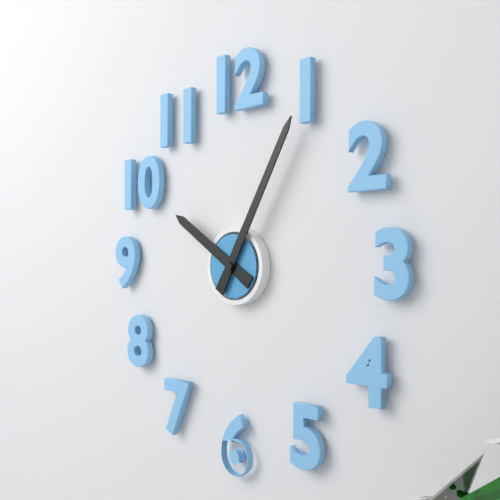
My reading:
{"hour": 10, "minute": 5}
